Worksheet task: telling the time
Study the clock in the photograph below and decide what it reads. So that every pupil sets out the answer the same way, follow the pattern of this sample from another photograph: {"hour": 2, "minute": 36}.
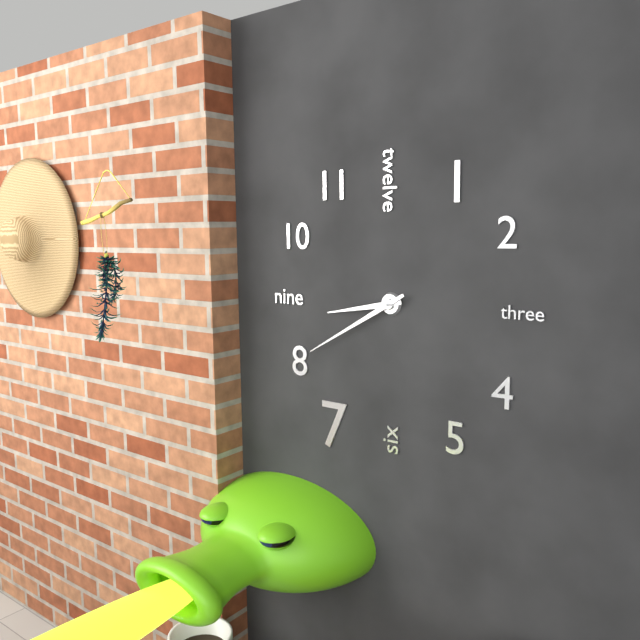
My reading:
{"hour": 8, "minute": 40}
